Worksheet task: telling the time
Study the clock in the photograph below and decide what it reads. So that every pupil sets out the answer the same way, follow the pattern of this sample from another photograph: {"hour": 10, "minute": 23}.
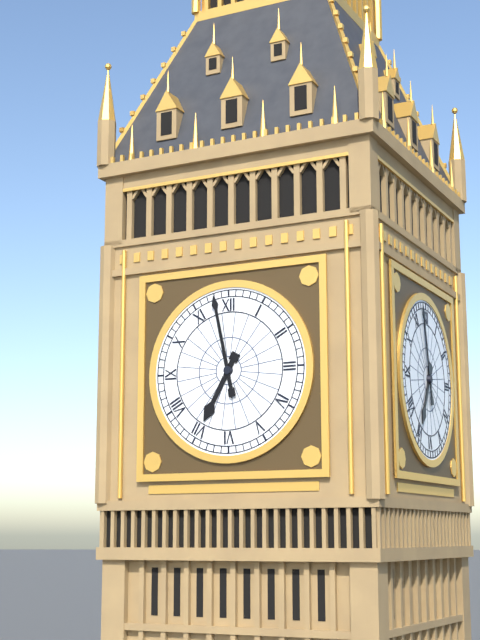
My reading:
{"hour": 6, "minute": 58}
